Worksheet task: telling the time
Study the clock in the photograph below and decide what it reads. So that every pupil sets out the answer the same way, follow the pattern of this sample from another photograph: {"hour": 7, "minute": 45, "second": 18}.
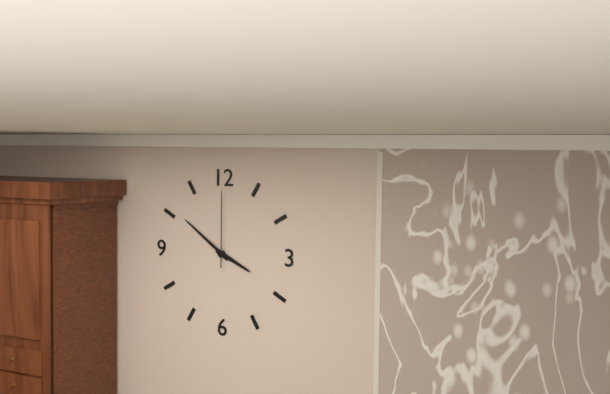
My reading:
{"hour": 3, "minute": 51, "second": 0}
